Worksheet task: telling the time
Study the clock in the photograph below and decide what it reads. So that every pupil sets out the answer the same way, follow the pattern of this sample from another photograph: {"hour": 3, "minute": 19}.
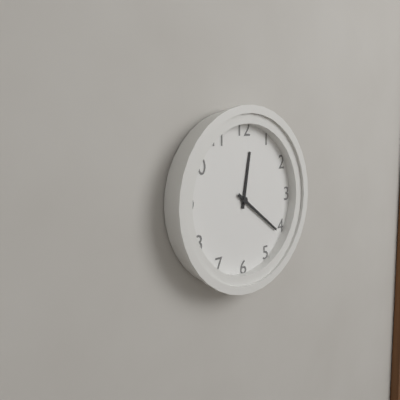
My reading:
{"hour": 12, "minute": 21}
